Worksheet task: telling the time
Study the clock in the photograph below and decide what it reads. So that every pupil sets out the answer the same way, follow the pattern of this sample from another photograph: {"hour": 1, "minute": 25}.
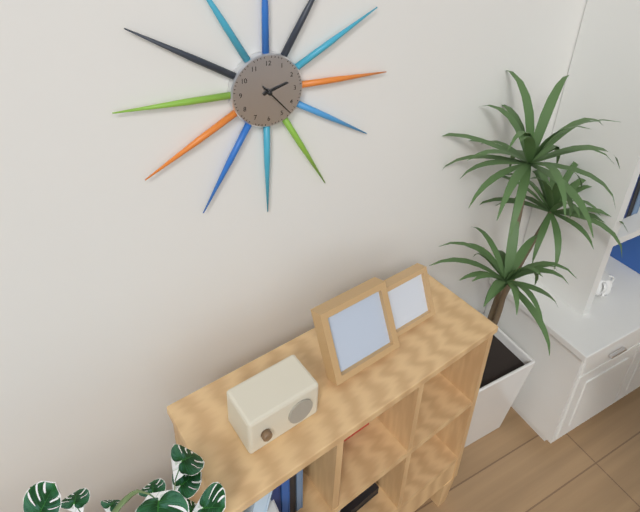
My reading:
{"hour": 2, "minute": 23}
